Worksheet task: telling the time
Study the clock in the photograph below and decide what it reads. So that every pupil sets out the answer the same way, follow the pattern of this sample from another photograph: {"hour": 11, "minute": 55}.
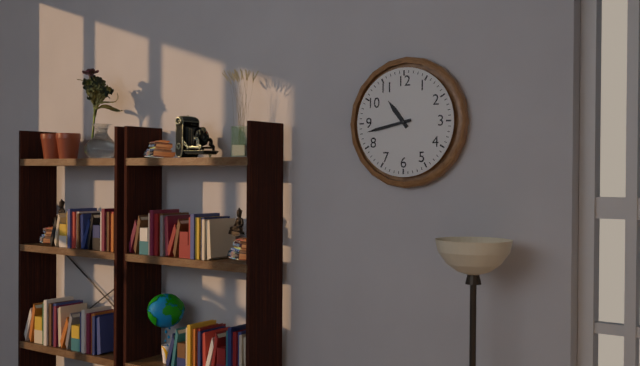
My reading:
{"hour": 10, "minute": 43}
